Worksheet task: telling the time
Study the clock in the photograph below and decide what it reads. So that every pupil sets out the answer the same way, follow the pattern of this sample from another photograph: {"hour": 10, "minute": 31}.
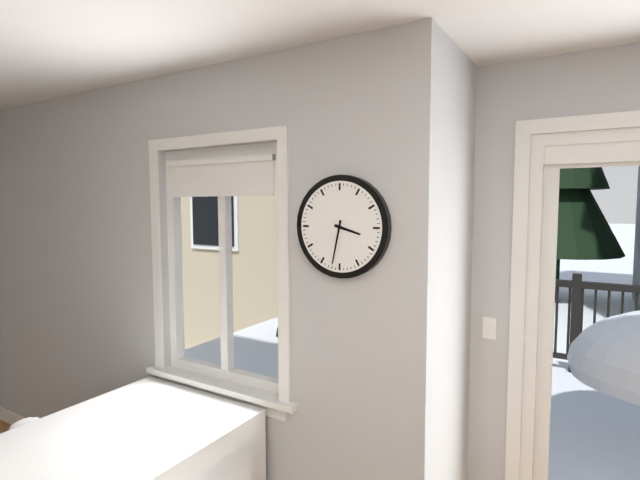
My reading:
{"hour": 3, "minute": 32}
